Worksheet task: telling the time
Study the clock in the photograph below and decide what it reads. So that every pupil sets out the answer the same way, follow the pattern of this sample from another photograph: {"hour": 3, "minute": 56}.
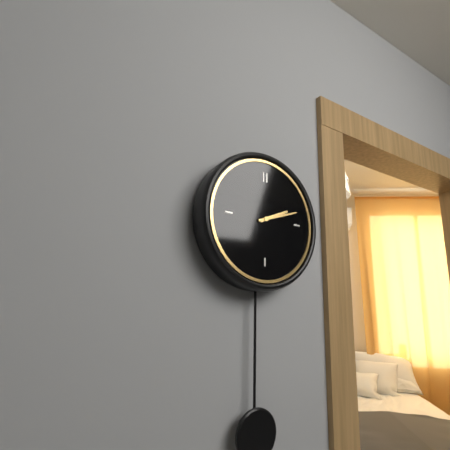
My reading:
{"hour": 2, "minute": 12}
